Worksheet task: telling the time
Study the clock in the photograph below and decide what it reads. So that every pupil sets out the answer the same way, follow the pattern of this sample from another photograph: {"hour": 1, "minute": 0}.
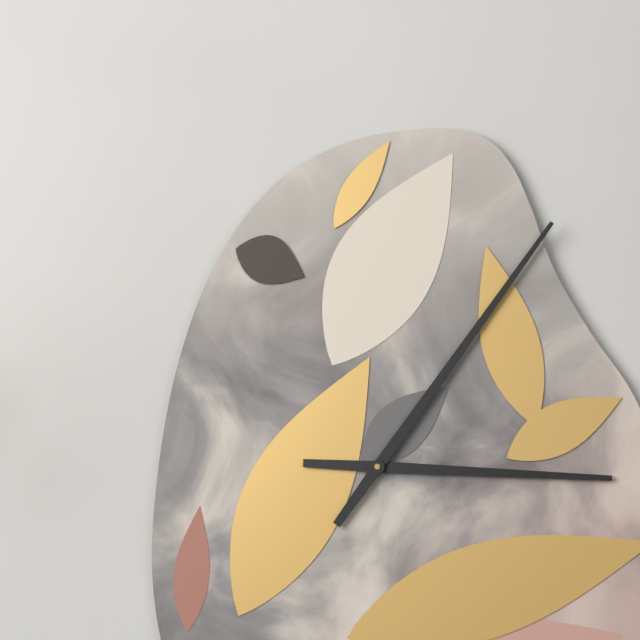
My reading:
{"hour": 3, "minute": 6}
